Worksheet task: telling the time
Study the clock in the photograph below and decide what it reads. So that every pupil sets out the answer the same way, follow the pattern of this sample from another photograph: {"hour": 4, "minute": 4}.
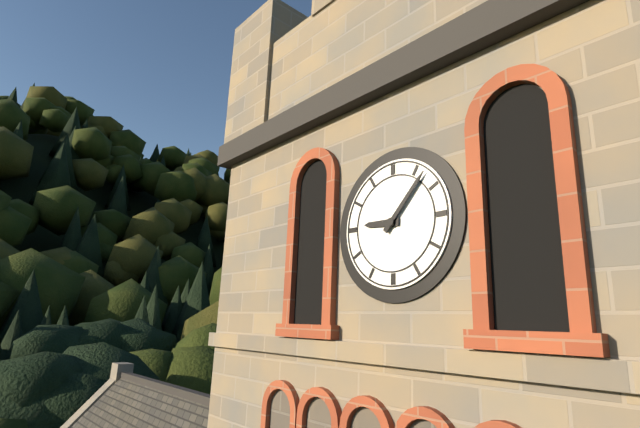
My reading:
{"hour": 9, "minute": 7}
